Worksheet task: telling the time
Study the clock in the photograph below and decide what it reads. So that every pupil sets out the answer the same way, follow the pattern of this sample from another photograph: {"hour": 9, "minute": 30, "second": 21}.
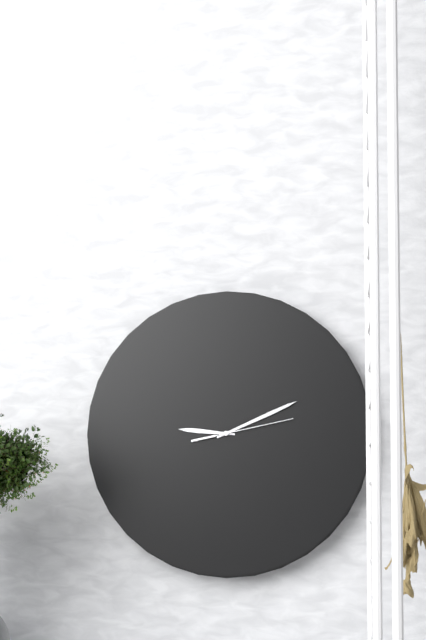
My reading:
{"hour": 9, "minute": 11, "second": 13}
